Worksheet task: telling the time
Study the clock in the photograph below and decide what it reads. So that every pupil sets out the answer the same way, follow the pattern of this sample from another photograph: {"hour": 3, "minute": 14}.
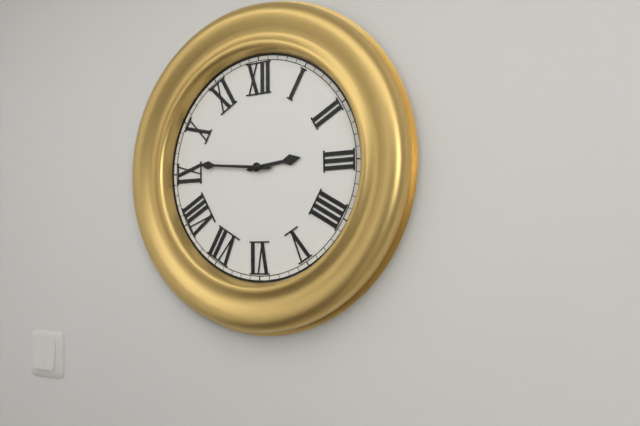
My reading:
{"hour": 2, "minute": 46}
